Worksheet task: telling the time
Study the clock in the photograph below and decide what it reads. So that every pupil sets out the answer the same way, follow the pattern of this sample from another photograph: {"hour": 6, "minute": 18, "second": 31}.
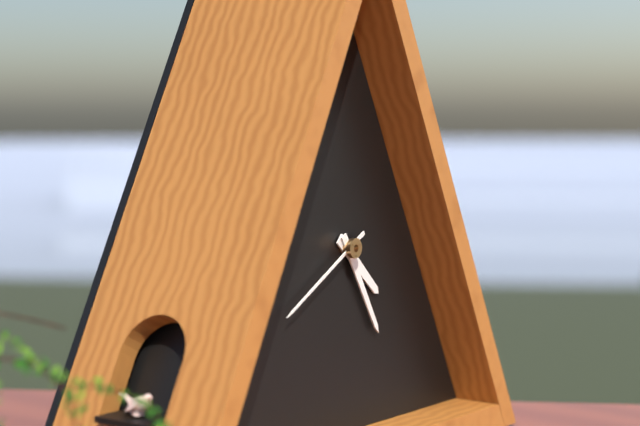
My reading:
{"hour": 4, "minute": 25, "second": 40}
